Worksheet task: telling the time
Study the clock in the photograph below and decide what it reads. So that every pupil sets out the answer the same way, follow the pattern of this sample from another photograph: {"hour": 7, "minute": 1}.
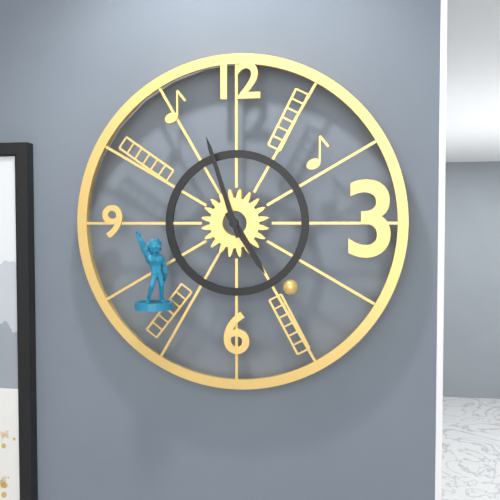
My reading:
{"hour": 4, "minute": 57}
